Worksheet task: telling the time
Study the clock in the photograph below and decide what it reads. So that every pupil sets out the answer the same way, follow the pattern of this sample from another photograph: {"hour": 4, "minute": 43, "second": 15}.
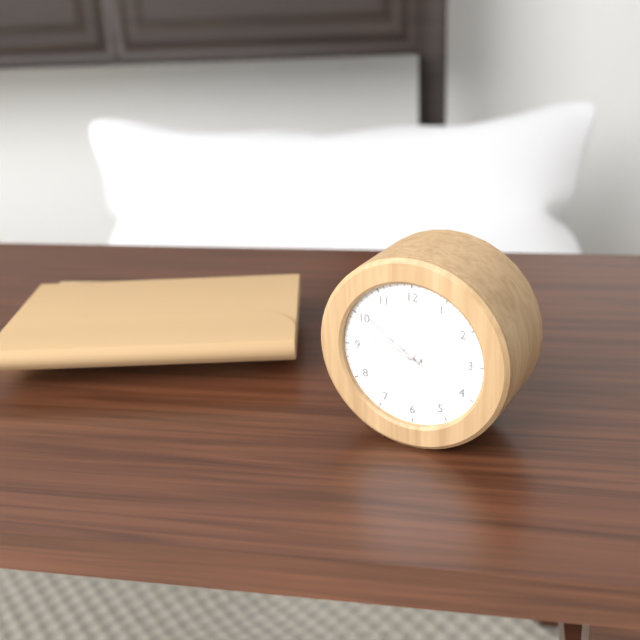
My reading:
{"hour": 9, "minute": 48, "second": 51}
